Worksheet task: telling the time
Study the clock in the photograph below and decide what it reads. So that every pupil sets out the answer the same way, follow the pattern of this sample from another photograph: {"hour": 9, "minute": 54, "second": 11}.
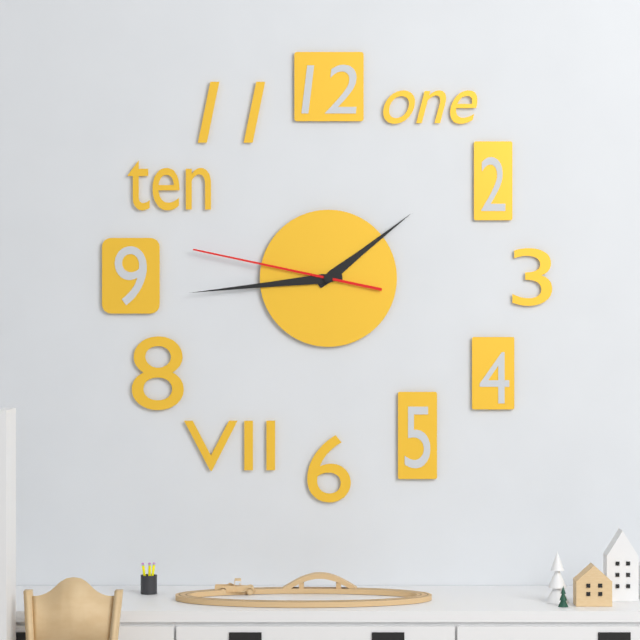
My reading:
{"hour": 1, "minute": 44, "second": 47}
